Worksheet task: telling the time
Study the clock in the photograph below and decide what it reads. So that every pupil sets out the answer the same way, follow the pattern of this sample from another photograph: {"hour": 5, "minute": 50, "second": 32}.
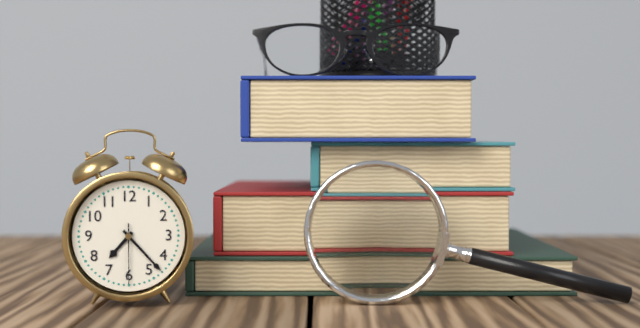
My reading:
{"hour": 7, "minute": 23, "second": 30}
